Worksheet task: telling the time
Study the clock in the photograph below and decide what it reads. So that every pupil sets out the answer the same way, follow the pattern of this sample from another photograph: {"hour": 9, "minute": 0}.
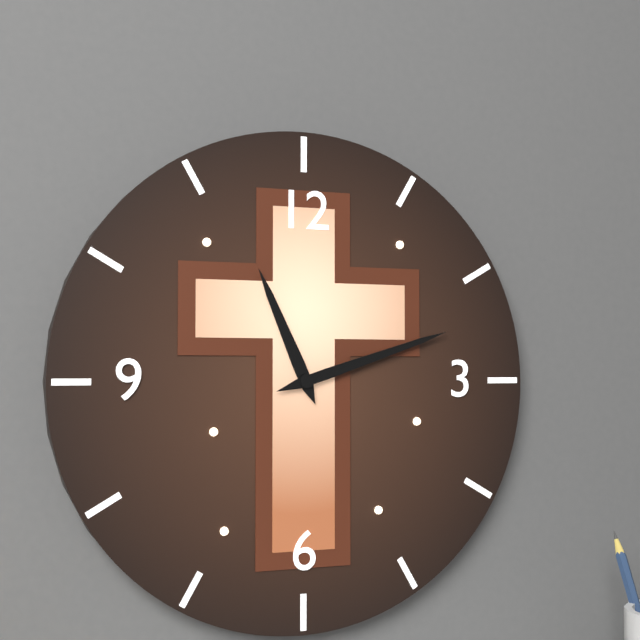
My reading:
{"hour": 11, "minute": 12}
